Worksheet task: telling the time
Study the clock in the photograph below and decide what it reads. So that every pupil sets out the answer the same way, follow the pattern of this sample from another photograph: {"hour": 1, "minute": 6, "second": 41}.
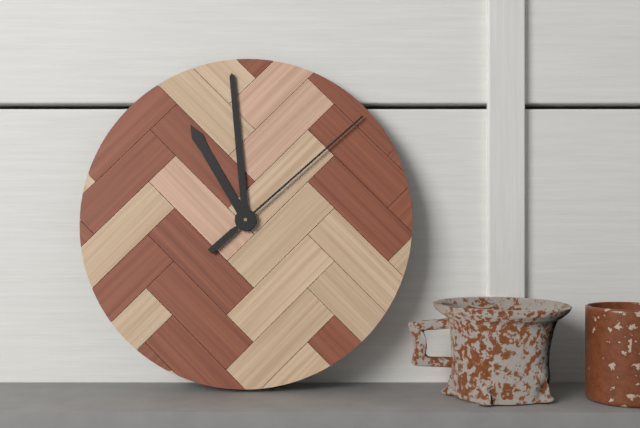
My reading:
{"hour": 10, "minute": 59, "second": 8}
